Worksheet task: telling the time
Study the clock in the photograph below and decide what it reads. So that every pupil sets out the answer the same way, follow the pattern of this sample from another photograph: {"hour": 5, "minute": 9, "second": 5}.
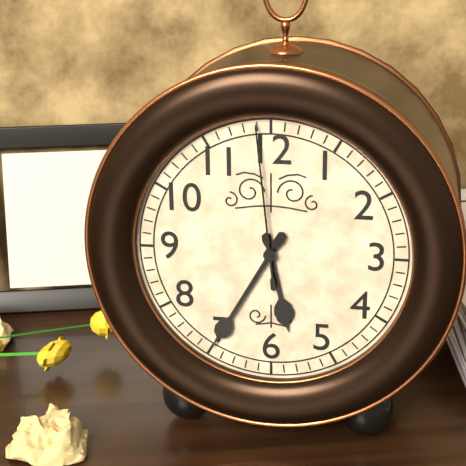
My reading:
{"hour": 5, "minute": 35, "second": 59}
